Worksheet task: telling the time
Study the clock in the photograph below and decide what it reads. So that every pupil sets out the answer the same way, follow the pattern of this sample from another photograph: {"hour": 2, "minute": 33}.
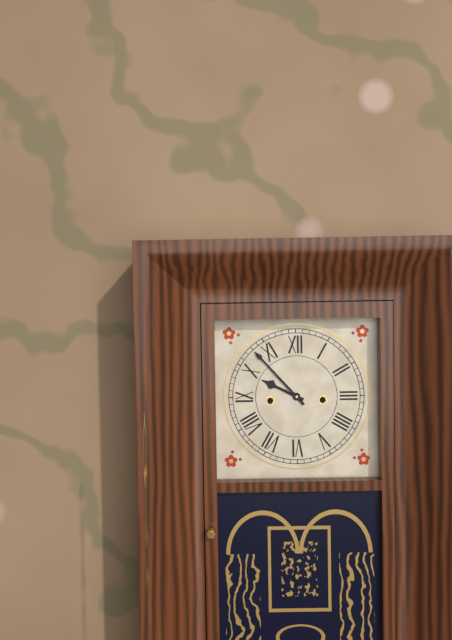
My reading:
{"hour": 9, "minute": 53}
